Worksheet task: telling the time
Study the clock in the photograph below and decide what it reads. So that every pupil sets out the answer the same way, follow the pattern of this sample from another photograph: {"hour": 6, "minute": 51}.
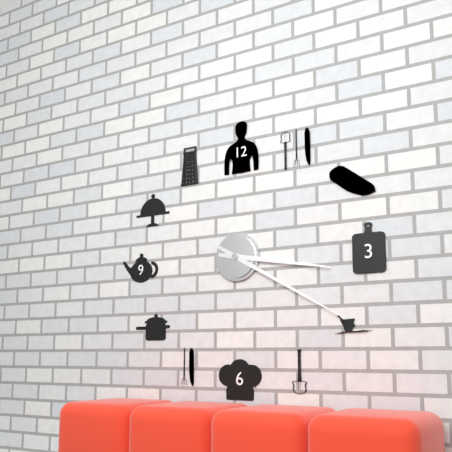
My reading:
{"hour": 3, "minute": 20}
